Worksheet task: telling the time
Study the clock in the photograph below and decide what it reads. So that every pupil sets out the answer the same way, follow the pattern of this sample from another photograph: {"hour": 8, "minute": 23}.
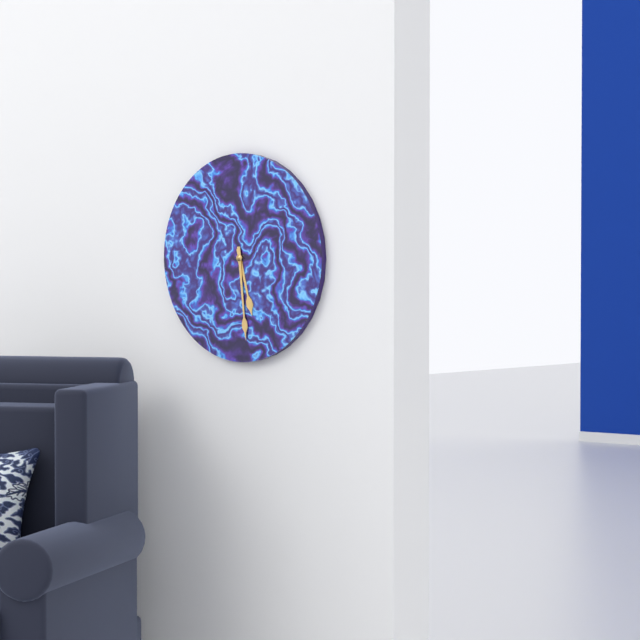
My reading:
{"hour": 5, "minute": 29}
